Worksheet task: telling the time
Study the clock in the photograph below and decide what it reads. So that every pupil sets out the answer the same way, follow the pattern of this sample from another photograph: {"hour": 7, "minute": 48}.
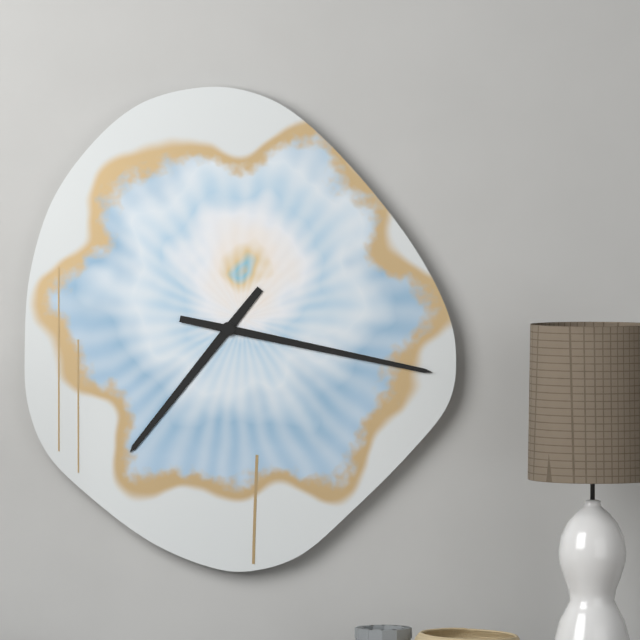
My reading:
{"hour": 7, "minute": 17}
